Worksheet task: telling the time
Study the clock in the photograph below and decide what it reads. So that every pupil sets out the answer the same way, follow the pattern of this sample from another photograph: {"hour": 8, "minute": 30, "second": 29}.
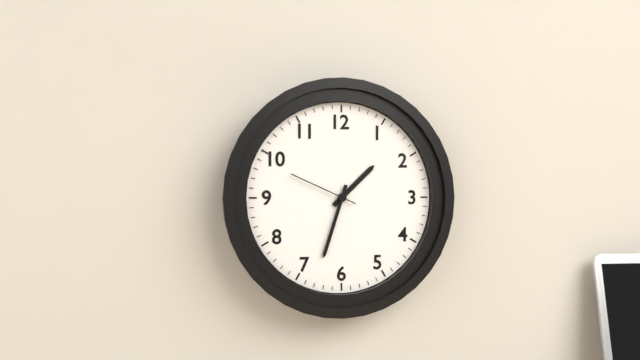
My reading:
{"hour": 1, "minute": 33, "second": 49}
